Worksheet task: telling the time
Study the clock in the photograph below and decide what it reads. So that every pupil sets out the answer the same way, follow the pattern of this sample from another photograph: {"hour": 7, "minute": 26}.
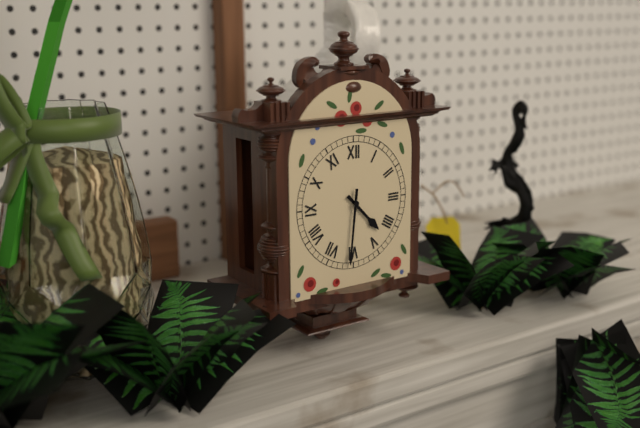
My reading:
{"hour": 4, "minute": 31}
